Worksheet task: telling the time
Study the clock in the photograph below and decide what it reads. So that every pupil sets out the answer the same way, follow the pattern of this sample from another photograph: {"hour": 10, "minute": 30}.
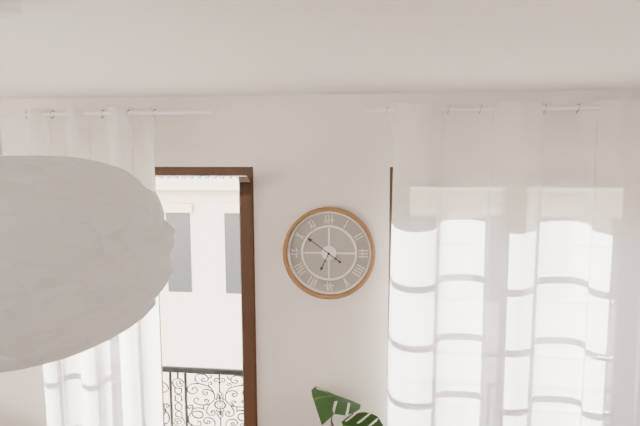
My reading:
{"hour": 6, "minute": 51}
